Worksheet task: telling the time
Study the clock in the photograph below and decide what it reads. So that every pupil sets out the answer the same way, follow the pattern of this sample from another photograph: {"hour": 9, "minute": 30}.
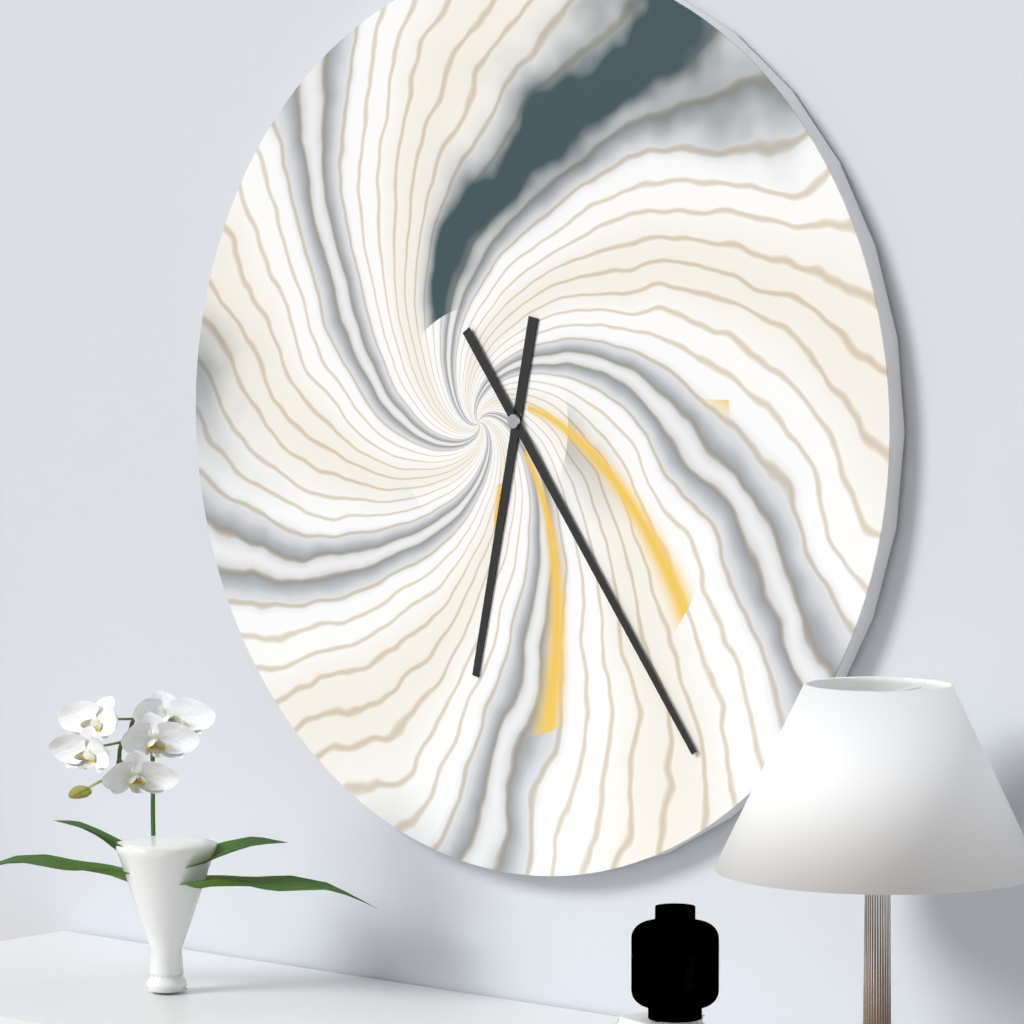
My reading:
{"hour": 6, "minute": 24}
